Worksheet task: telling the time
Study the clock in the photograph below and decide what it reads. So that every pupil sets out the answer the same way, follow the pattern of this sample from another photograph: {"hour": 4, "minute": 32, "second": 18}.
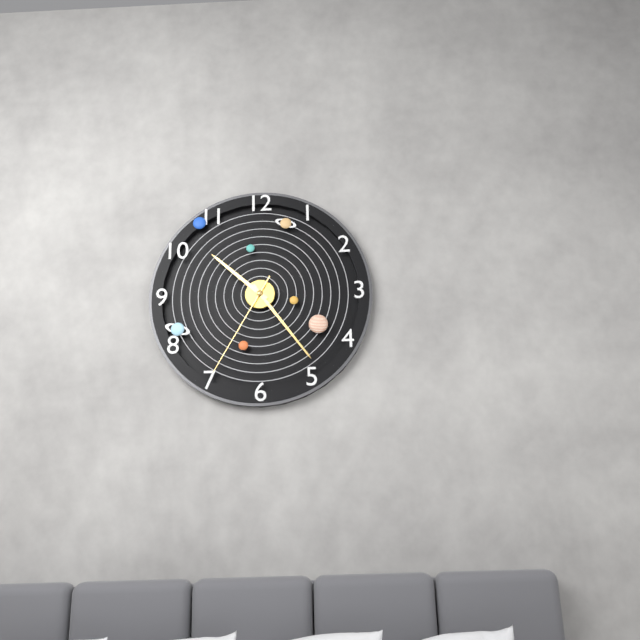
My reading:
{"hour": 10, "minute": 24, "second": 35}
